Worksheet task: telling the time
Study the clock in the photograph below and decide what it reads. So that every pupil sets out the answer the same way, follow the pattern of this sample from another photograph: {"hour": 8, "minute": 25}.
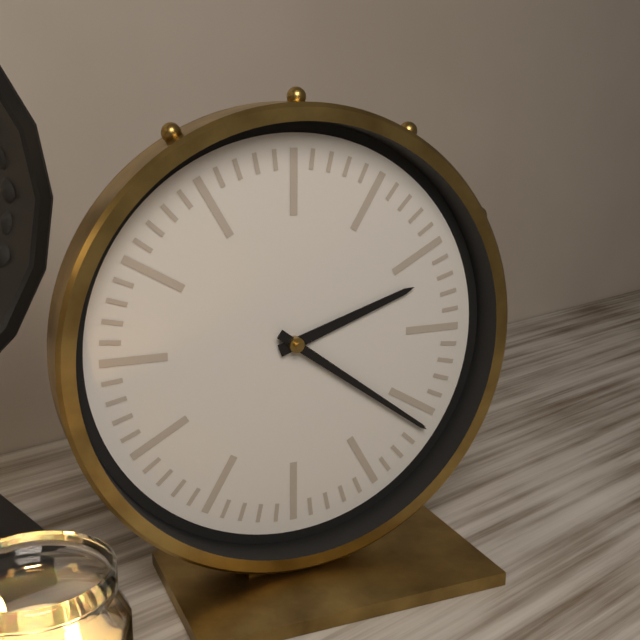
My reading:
{"hour": 2, "minute": 21}
